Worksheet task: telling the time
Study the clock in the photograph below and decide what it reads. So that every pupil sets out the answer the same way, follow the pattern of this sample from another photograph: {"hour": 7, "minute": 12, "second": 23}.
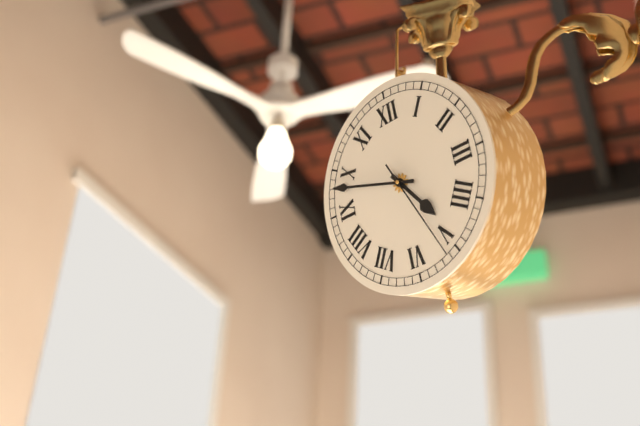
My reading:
{"hour": 4, "minute": 48, "second": 26}
